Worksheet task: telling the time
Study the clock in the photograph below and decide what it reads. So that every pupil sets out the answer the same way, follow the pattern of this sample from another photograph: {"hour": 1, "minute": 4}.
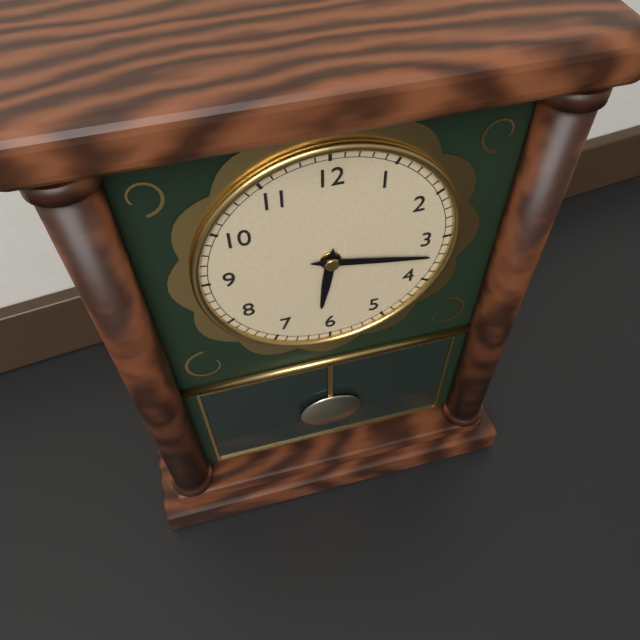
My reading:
{"hour": 6, "minute": 17}
